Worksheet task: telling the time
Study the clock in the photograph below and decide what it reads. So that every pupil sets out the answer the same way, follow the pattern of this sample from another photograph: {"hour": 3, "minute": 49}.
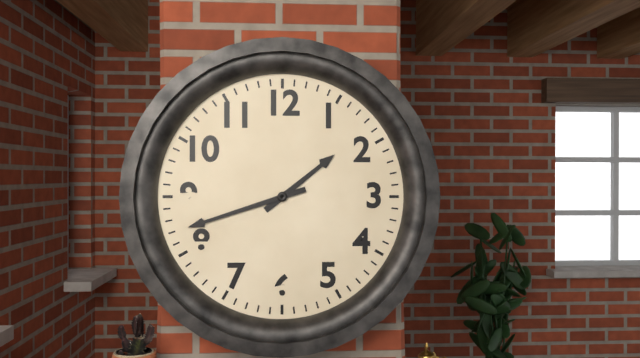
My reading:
{"hour": 1, "minute": 42}
